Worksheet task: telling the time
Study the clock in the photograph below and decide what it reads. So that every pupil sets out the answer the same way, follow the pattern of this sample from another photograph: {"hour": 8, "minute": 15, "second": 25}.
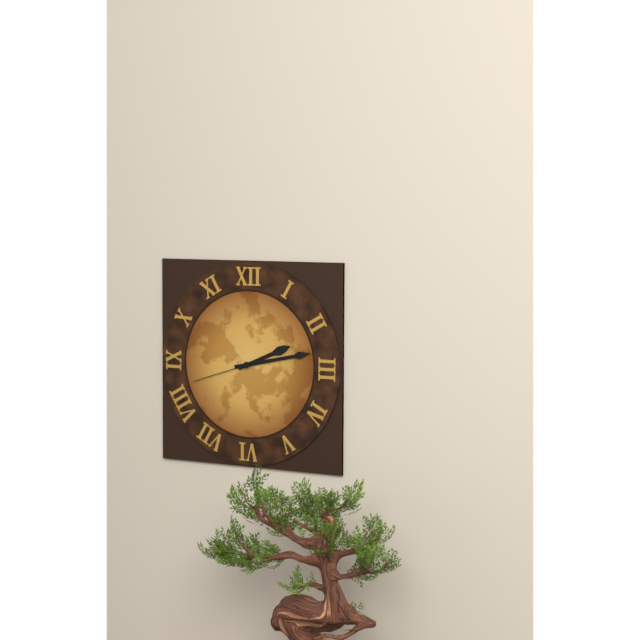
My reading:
{"hour": 2, "minute": 13, "second": 42}
